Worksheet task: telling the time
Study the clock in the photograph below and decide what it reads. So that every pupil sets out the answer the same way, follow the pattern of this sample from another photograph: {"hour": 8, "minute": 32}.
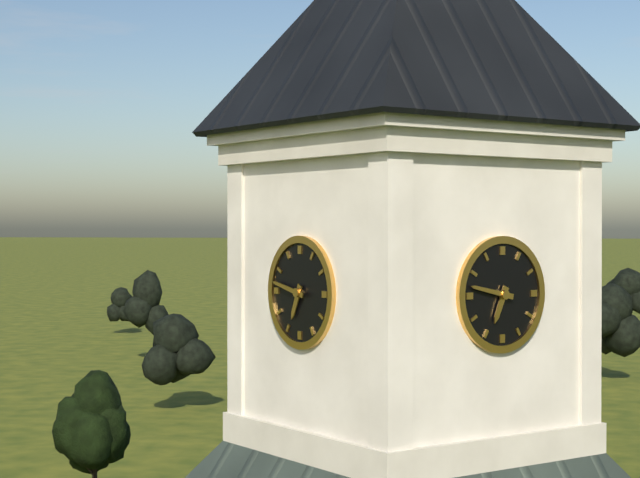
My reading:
{"hour": 6, "minute": 47}
